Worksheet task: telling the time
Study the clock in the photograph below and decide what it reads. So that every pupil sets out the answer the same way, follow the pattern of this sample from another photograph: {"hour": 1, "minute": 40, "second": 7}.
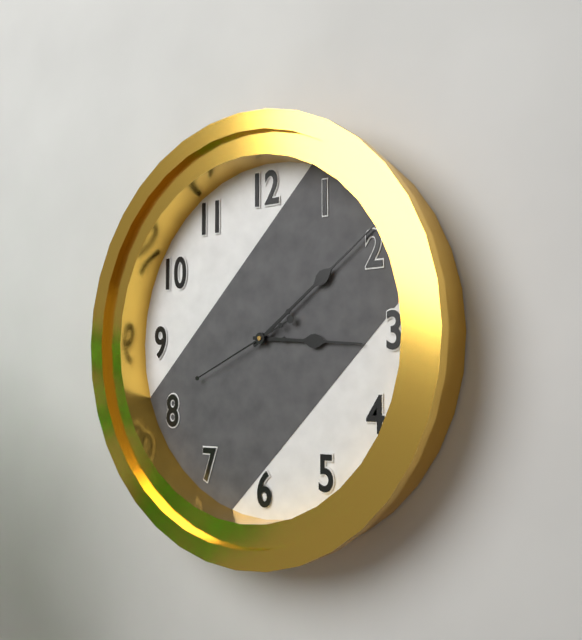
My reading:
{"hour": 3, "minute": 9, "second": 41}
